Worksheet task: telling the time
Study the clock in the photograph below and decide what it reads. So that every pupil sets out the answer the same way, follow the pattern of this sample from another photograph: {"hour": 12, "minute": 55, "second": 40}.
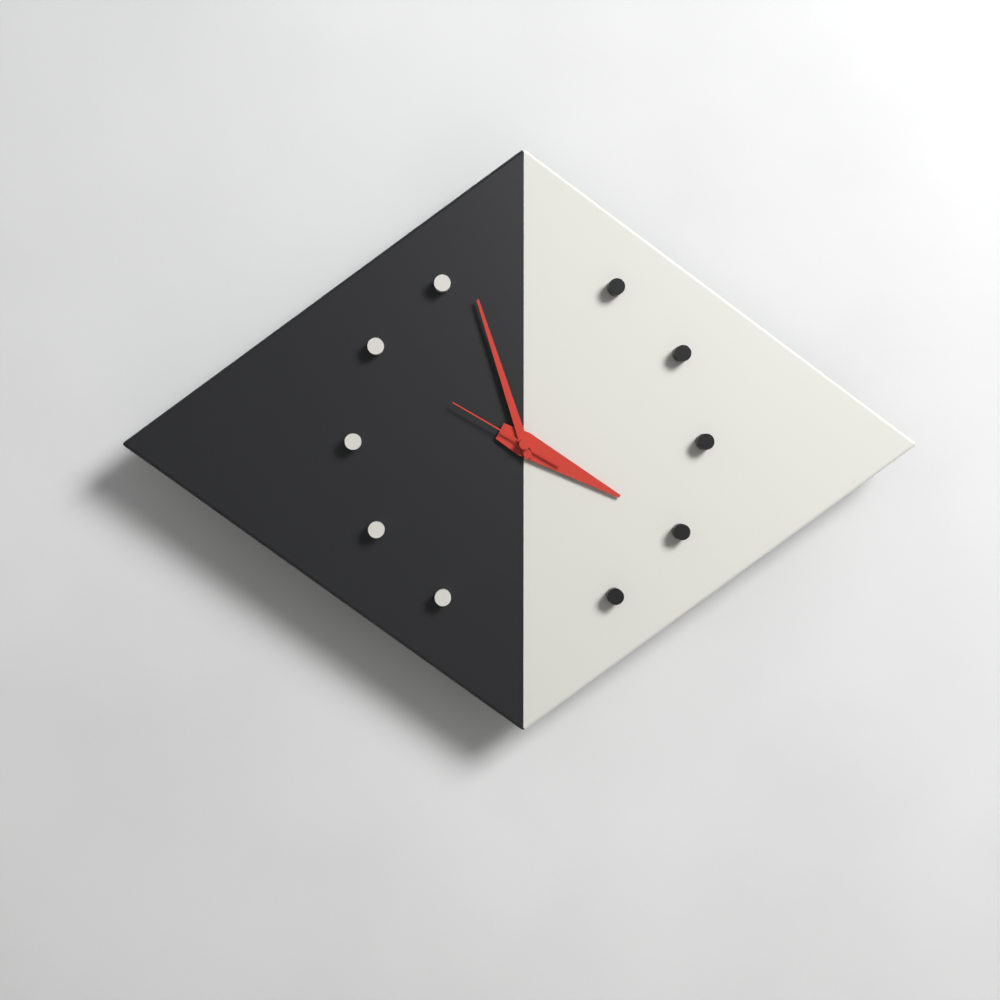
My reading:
{"hour": 3, "minute": 57, "second": 50}
